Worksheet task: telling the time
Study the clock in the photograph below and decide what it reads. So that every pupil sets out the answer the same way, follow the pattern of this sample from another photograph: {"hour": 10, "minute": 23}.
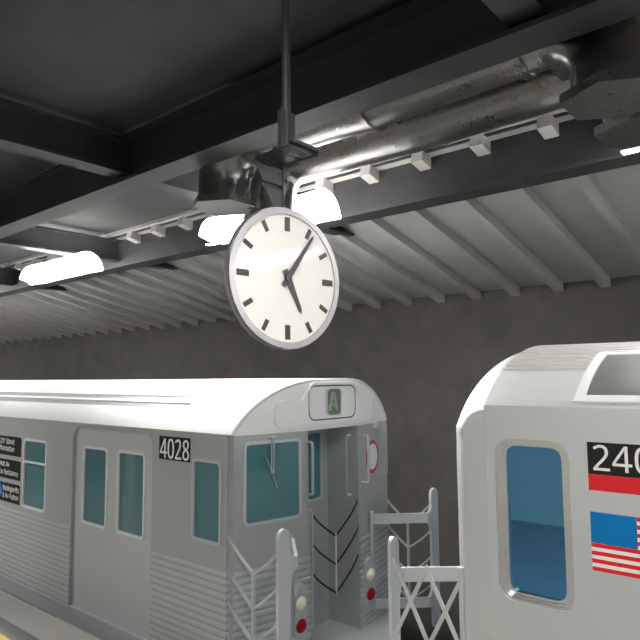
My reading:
{"hour": 5, "minute": 6}
